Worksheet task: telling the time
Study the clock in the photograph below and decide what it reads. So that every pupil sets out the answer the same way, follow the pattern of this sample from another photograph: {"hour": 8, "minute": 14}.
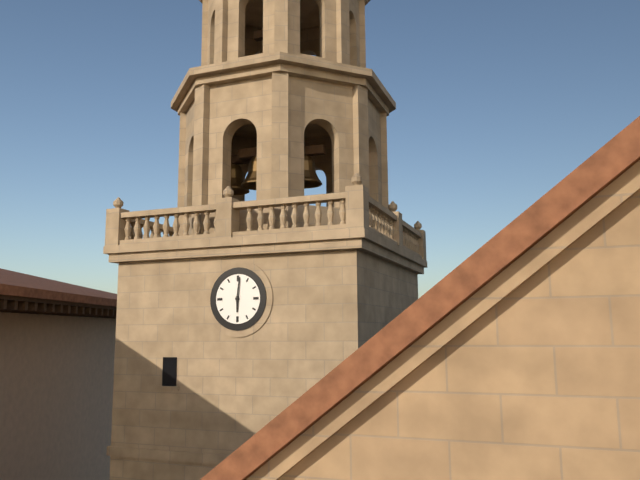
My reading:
{"hour": 6, "minute": 1}
